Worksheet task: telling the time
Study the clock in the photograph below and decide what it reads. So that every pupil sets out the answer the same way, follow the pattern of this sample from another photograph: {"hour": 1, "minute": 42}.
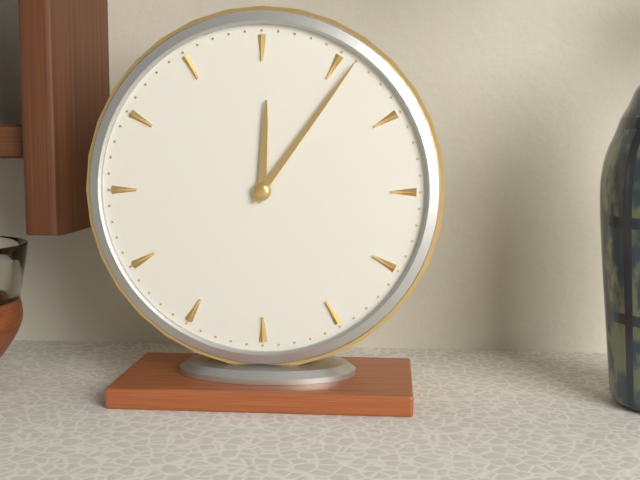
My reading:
{"hour": 12, "minute": 6}
